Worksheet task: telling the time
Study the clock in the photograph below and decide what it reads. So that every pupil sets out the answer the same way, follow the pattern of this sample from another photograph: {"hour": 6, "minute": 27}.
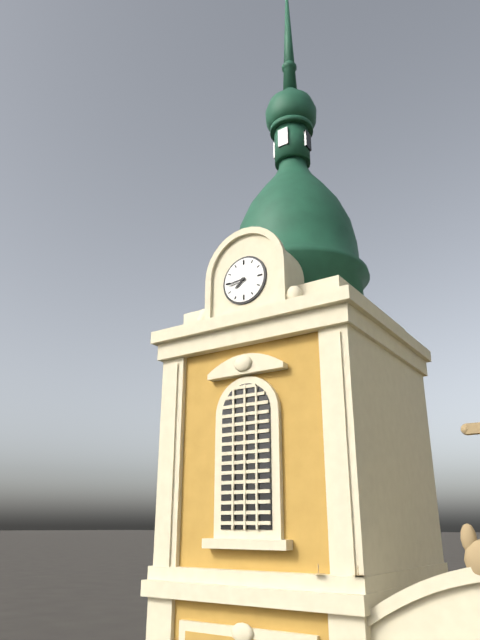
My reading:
{"hour": 7, "minute": 44}
